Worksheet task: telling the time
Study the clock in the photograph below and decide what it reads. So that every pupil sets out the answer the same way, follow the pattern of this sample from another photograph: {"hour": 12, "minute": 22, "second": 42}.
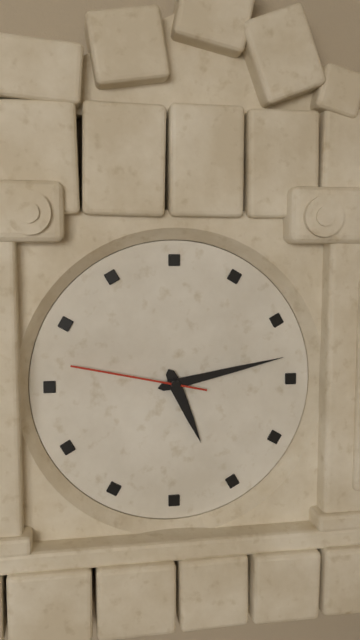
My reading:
{"hour": 5, "minute": 13, "second": 47}
